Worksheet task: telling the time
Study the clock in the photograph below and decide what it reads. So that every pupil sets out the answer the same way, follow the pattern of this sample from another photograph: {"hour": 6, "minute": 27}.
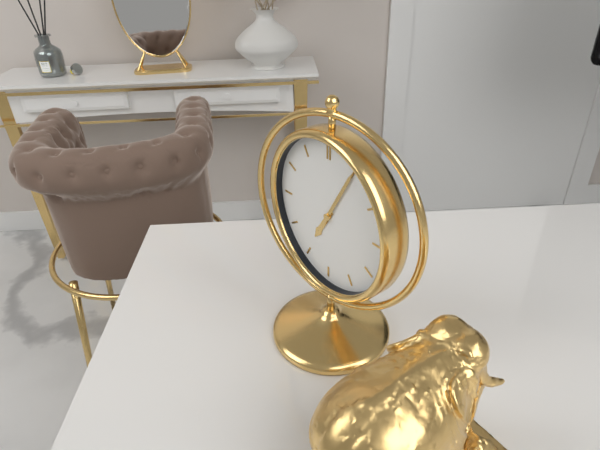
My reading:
{"hour": 7, "minute": 5}
